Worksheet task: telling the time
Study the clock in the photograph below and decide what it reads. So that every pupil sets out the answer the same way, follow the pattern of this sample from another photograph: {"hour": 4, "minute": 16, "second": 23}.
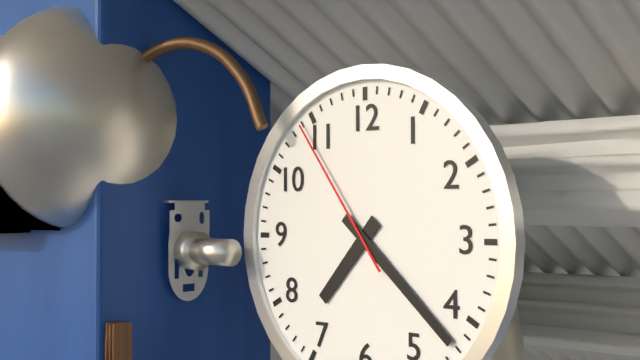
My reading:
{"hour": 7, "minute": 22, "second": 54}
